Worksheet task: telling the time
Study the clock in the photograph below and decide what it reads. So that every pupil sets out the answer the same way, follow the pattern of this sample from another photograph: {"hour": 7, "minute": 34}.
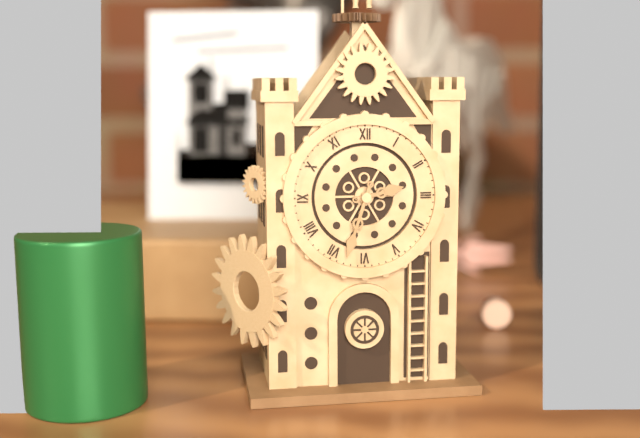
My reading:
{"hour": 2, "minute": 33}
